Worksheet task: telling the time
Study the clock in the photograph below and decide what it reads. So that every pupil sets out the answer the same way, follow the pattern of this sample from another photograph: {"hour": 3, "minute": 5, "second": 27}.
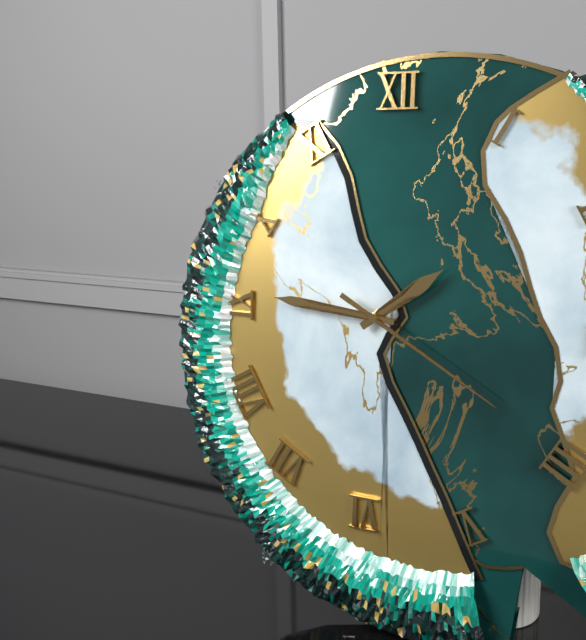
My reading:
{"hour": 1, "minute": 46, "second": 20}
